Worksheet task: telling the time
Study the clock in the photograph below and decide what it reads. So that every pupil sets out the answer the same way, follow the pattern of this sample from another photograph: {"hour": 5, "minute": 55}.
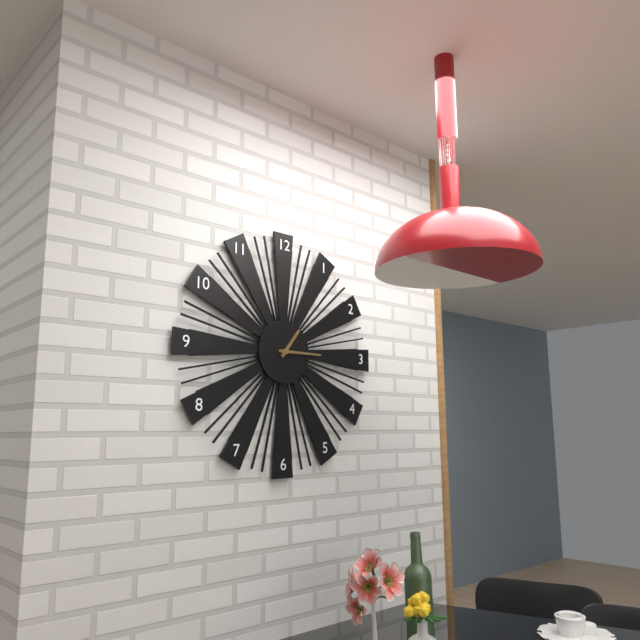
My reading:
{"hour": 1, "minute": 15}
